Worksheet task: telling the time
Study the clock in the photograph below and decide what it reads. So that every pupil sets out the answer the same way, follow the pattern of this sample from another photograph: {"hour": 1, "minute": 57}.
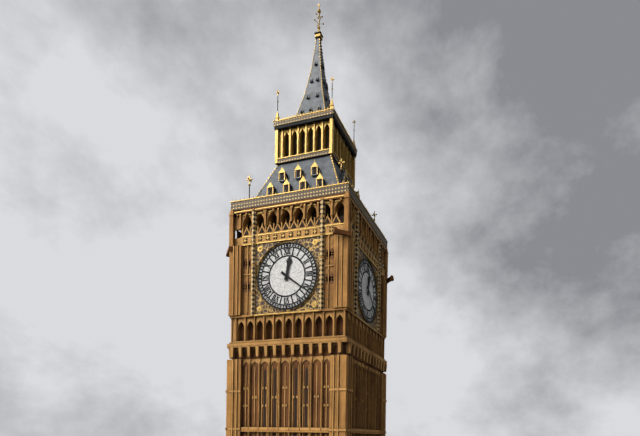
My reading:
{"hour": 12, "minute": 21}
